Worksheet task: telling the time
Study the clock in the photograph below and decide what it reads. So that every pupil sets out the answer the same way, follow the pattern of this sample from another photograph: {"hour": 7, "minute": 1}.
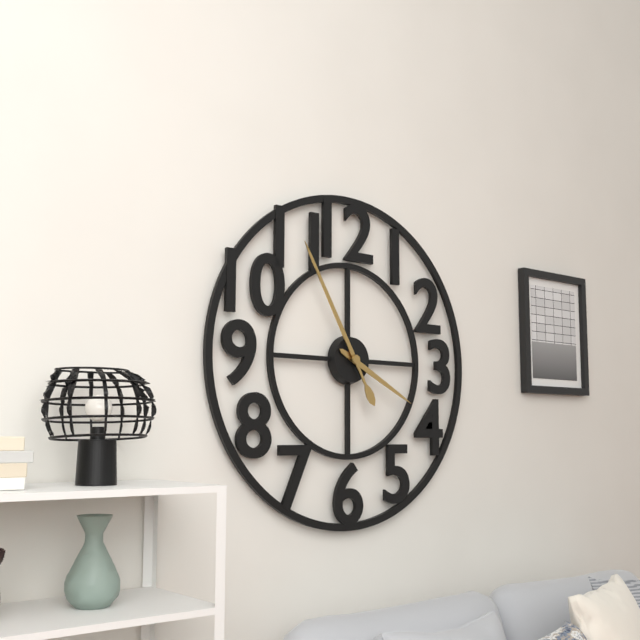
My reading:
{"hour": 3, "minute": 55}
